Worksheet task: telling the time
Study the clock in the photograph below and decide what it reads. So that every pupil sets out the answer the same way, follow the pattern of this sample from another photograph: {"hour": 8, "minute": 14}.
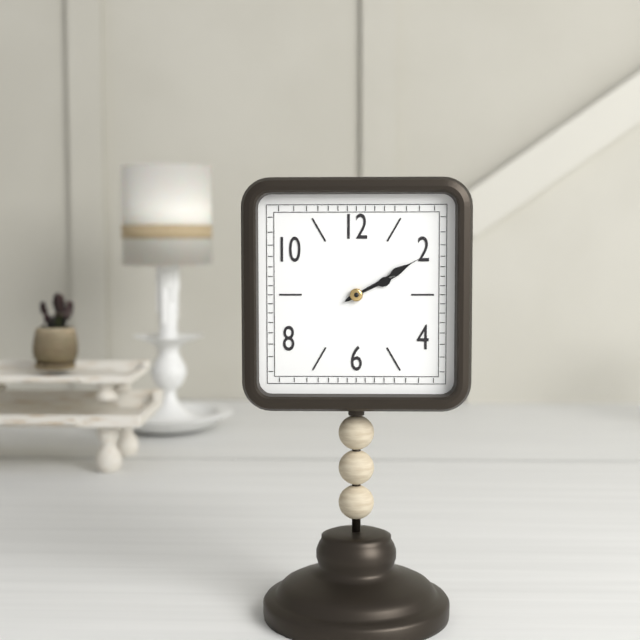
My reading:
{"hour": 2, "minute": 10}
